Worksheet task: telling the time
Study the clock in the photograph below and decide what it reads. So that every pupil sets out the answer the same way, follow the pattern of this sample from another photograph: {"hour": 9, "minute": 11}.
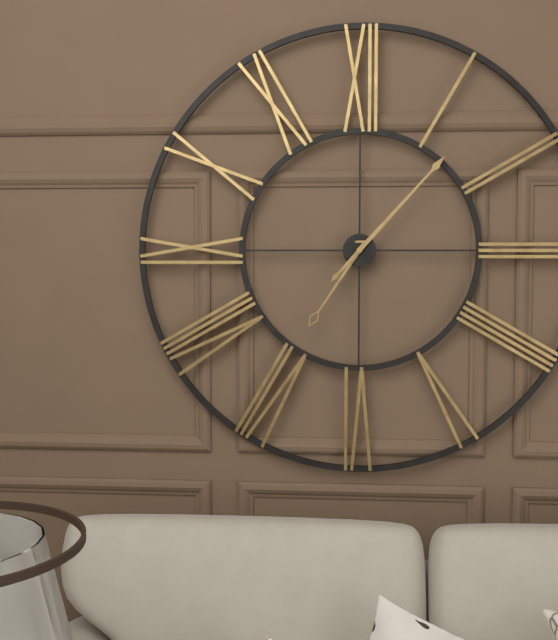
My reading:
{"hour": 7, "minute": 7}
